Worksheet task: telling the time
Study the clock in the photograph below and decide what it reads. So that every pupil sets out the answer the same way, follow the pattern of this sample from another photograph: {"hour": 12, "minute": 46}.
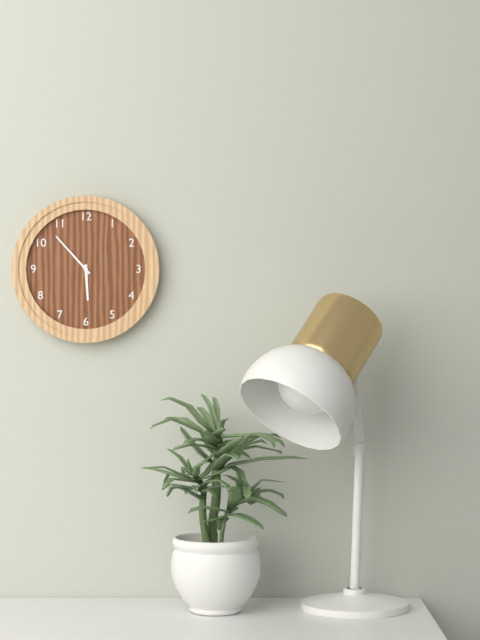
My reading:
{"hour": 5, "minute": 53}
